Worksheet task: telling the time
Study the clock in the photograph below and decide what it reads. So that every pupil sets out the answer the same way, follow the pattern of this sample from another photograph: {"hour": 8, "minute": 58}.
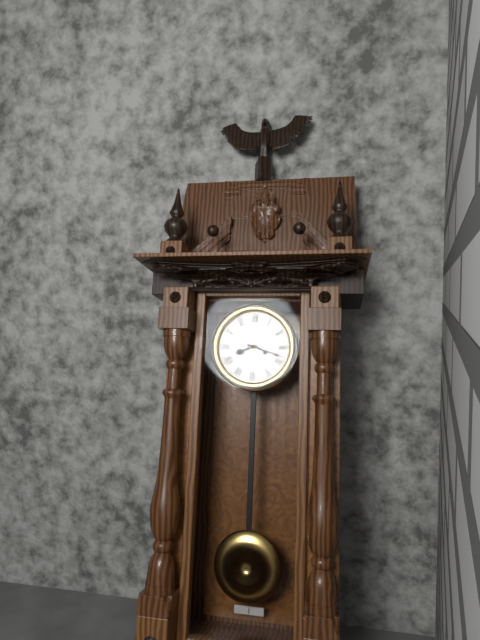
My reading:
{"hour": 8, "minute": 18}
